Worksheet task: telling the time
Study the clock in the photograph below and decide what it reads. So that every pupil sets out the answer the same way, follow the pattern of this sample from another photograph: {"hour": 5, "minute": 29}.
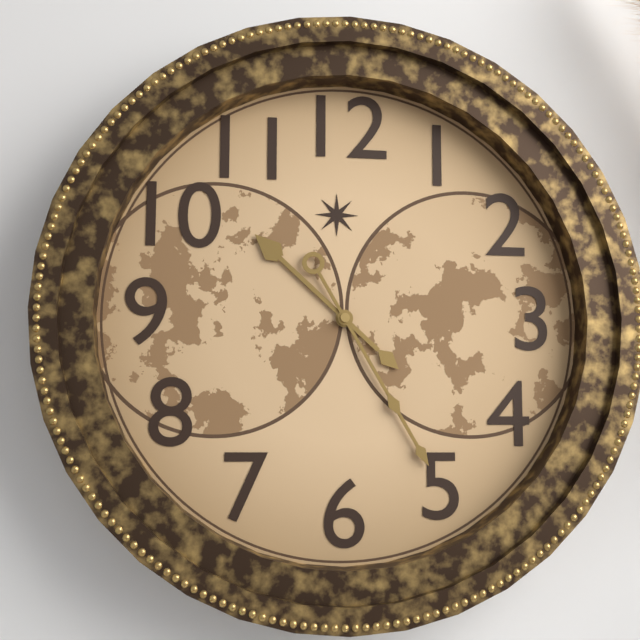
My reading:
{"hour": 10, "minute": 25}
